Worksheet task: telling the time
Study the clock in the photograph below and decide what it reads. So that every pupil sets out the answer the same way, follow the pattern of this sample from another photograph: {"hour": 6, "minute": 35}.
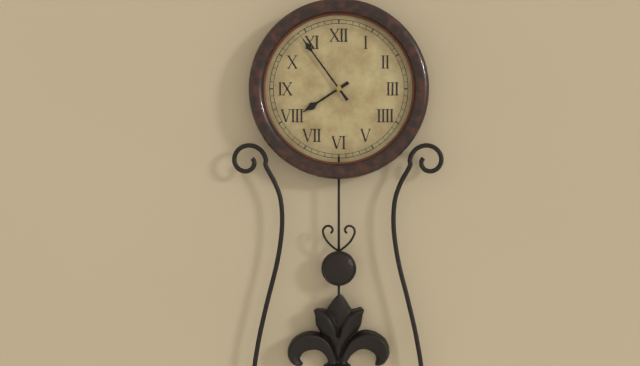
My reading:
{"hour": 7, "minute": 54}
